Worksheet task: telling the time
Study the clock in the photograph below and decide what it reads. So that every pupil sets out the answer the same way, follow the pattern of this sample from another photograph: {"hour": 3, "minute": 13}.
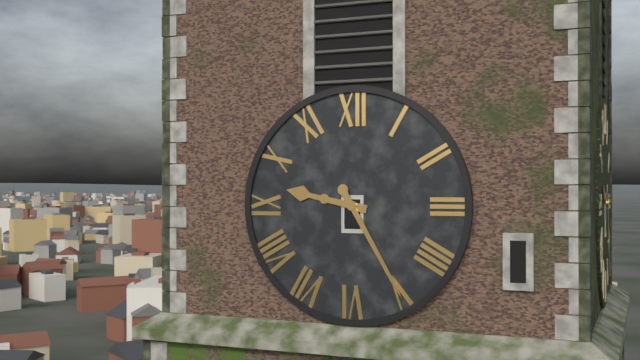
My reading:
{"hour": 9, "minute": 25}
